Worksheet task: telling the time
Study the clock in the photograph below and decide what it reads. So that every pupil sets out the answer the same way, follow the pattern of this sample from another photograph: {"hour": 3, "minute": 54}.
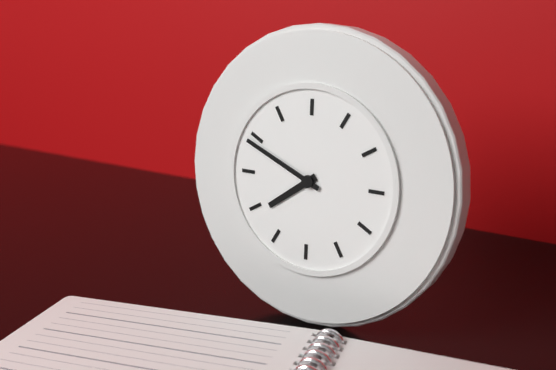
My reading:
{"hour": 7, "minute": 49}
